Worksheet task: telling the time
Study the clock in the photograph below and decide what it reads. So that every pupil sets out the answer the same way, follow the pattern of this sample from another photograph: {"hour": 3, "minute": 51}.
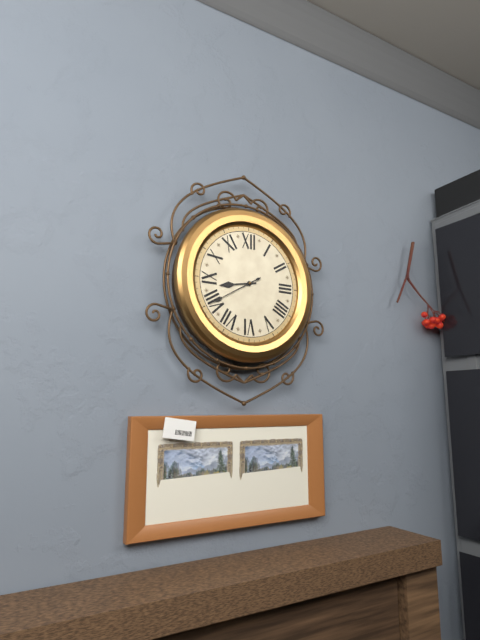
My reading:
{"hour": 8, "minute": 40}
